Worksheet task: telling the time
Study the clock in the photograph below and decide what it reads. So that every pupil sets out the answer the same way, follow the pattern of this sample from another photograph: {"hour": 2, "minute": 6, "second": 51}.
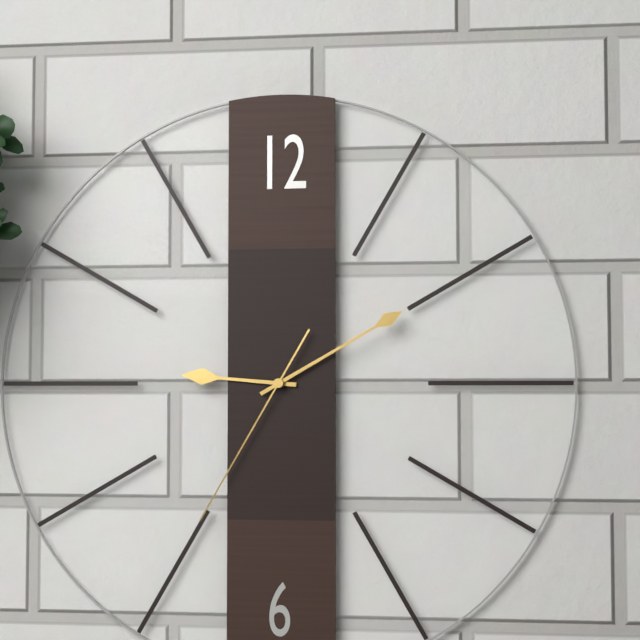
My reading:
{"hour": 9, "minute": 10, "second": 35}
